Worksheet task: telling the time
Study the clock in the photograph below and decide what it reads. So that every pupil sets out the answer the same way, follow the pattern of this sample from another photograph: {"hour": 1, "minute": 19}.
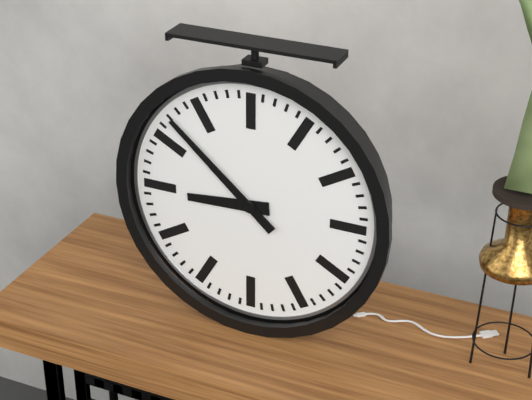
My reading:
{"hour": 8, "minute": 52}
